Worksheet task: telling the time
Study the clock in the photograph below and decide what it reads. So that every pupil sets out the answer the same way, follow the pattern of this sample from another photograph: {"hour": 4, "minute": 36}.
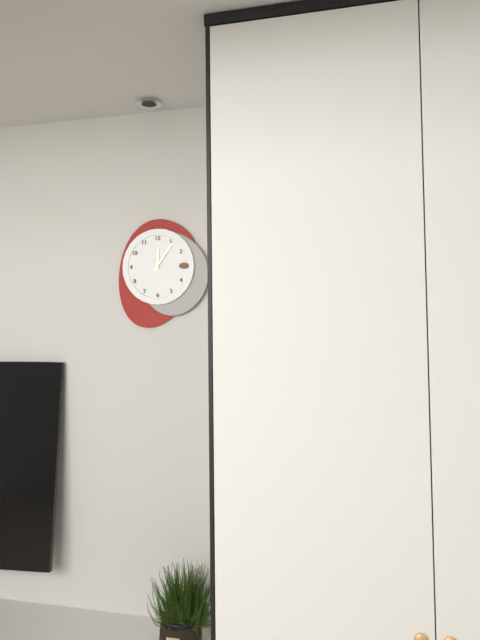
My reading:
{"hour": 12, "minute": 6}
